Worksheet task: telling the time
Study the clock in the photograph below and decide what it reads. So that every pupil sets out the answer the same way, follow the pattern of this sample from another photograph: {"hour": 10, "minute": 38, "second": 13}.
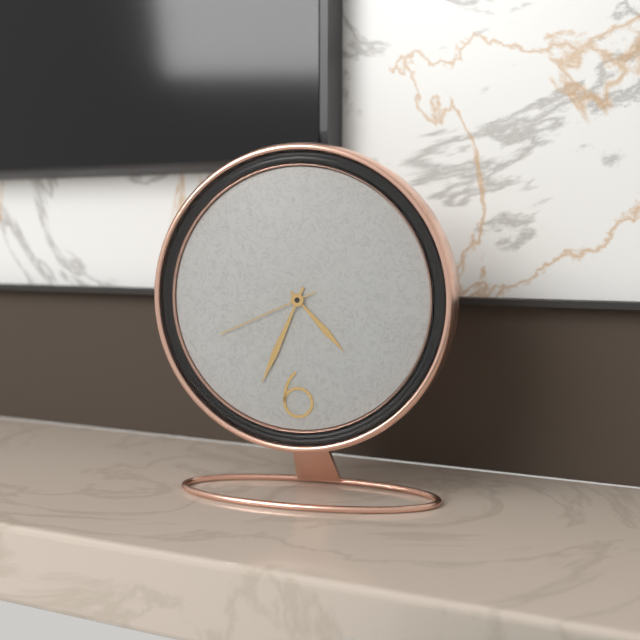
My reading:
{"hour": 4, "minute": 34, "second": 41}
